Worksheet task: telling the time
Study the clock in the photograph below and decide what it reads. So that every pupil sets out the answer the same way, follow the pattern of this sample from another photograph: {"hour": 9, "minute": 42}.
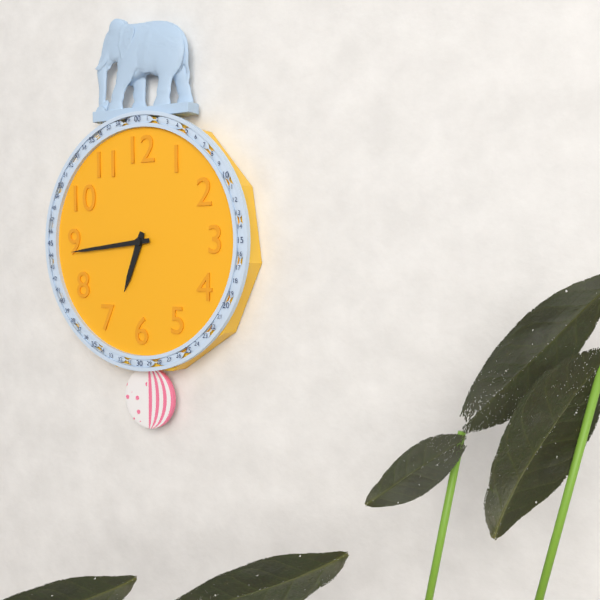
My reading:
{"hour": 6, "minute": 44}
